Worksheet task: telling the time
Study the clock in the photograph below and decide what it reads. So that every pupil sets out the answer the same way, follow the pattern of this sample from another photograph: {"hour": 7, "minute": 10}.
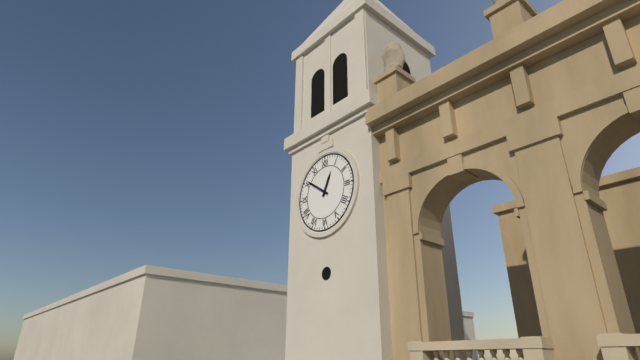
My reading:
{"hour": 12, "minute": 51}
